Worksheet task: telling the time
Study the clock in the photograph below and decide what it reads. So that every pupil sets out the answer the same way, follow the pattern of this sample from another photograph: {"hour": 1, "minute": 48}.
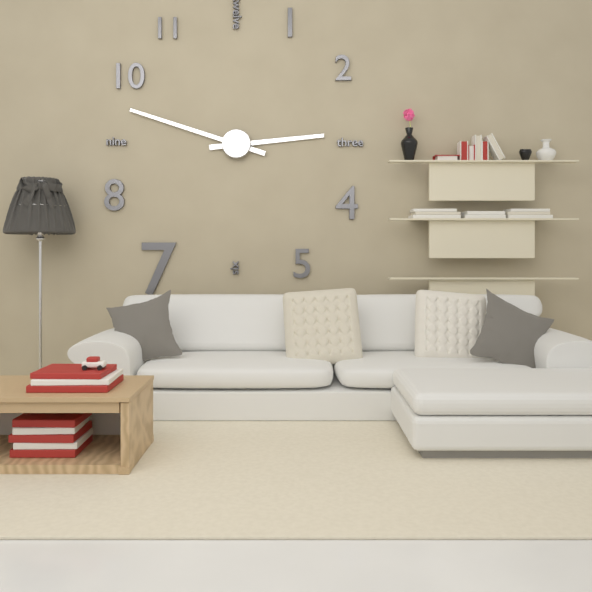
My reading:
{"hour": 2, "minute": 48}
